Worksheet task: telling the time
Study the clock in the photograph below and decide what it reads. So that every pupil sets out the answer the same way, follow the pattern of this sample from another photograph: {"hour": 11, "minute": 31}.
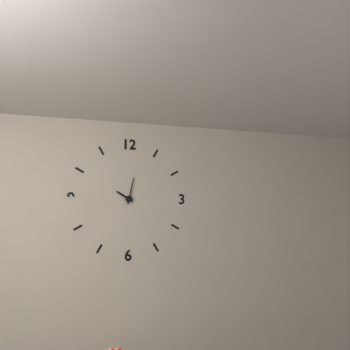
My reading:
{"hour": 10, "minute": 2}
